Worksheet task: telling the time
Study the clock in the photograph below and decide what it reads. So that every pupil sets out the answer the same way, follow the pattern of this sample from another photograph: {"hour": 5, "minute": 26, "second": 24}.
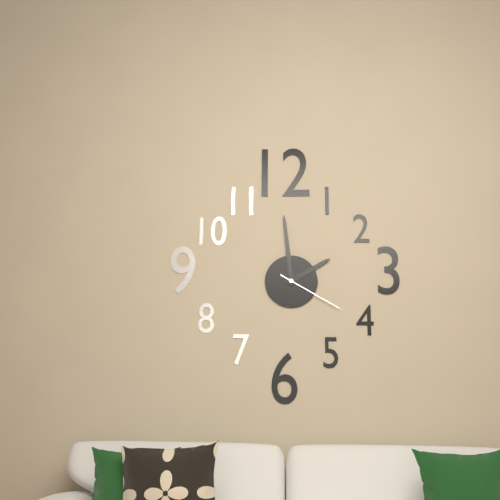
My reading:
{"hour": 1, "minute": 59, "second": 20}
